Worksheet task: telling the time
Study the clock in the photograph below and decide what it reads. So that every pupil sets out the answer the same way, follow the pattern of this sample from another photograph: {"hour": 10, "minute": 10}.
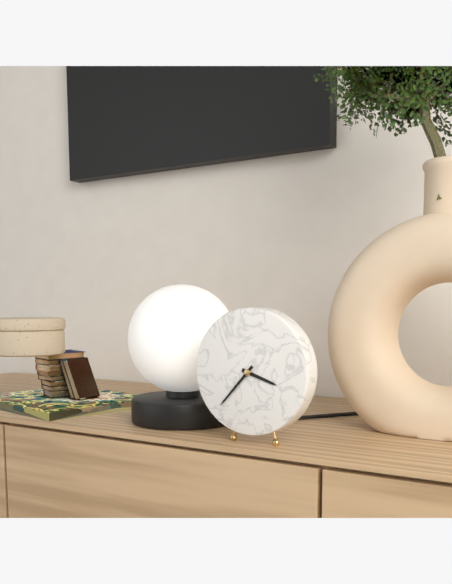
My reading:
{"hour": 3, "minute": 37}
